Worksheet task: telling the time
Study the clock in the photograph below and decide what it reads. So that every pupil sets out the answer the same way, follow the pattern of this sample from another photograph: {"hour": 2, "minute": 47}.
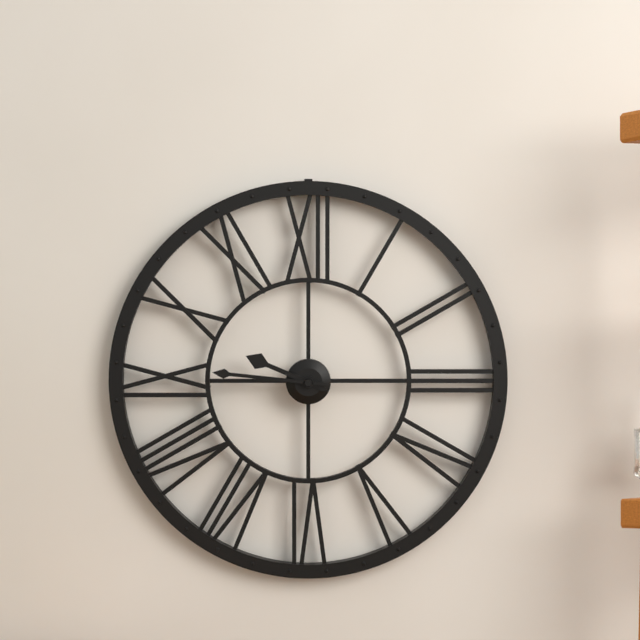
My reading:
{"hour": 9, "minute": 46}
